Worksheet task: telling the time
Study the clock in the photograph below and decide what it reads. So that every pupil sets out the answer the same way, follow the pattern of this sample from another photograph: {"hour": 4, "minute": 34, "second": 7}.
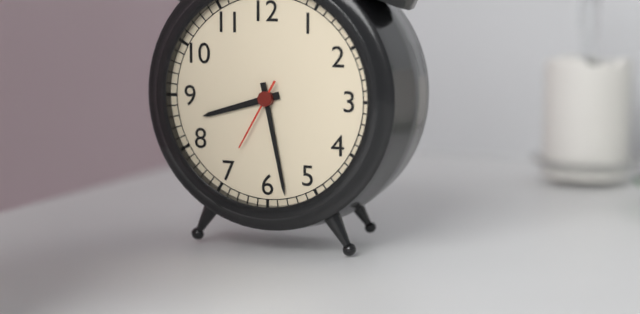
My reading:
{"hour": 8, "minute": 28, "second": 35}
